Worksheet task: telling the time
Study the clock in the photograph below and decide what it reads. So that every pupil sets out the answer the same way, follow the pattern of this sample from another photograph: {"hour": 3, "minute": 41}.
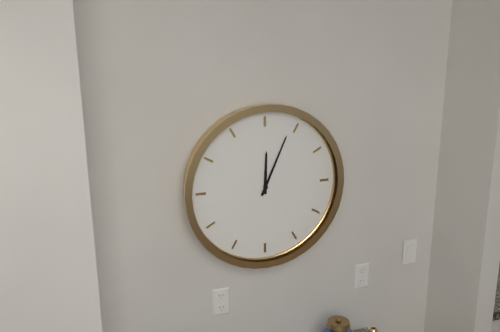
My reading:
{"hour": 12, "minute": 4}
